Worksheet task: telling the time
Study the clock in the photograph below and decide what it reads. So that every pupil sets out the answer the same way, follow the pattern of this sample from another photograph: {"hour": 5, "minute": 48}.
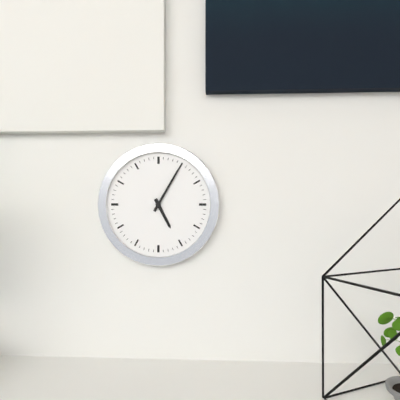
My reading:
{"hour": 5, "minute": 5}
